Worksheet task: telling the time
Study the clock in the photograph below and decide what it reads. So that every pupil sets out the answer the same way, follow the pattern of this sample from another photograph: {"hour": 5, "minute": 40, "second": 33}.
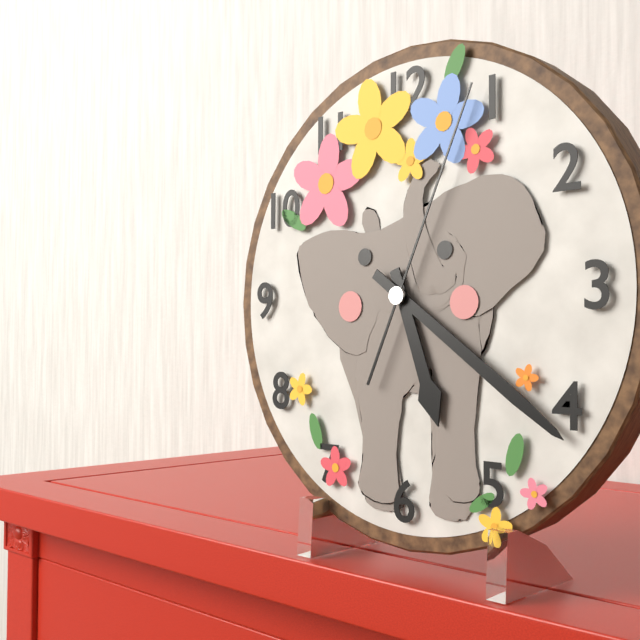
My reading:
{"hour": 5, "minute": 21, "second": 4}
